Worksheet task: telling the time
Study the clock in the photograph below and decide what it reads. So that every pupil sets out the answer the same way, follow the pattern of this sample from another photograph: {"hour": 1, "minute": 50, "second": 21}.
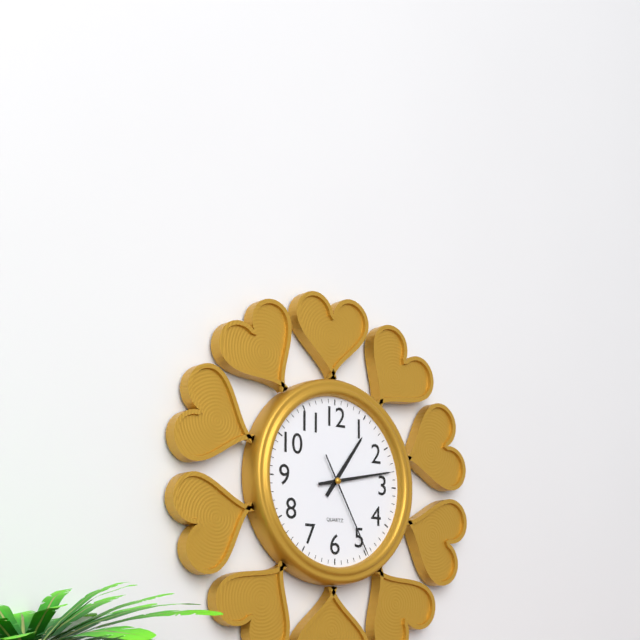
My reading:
{"hour": 1, "minute": 13, "second": 25}
